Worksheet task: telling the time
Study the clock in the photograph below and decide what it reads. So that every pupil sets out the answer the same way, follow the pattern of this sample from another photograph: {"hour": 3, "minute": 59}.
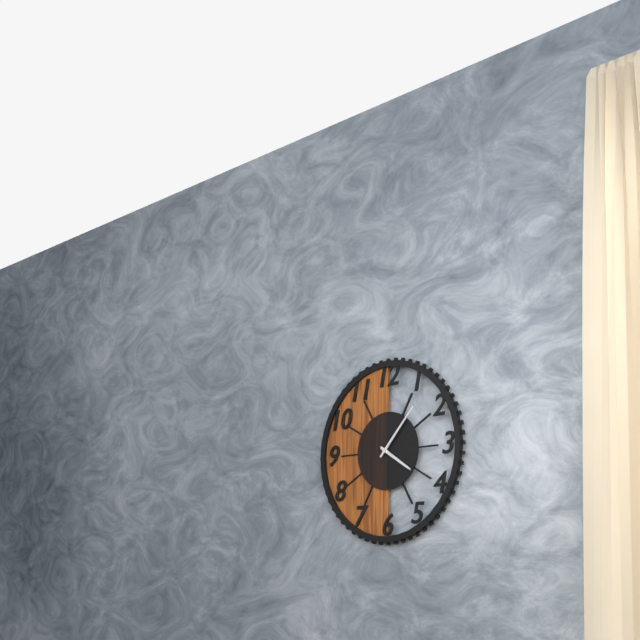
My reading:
{"hour": 4, "minute": 7}
